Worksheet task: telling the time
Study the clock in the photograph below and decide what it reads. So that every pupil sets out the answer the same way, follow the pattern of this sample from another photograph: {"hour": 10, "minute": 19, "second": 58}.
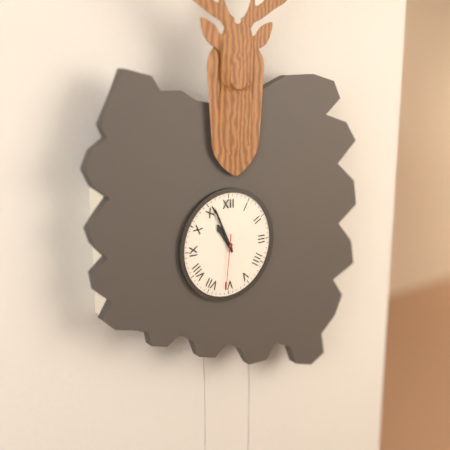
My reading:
{"hour": 10, "minute": 56, "second": 31}
